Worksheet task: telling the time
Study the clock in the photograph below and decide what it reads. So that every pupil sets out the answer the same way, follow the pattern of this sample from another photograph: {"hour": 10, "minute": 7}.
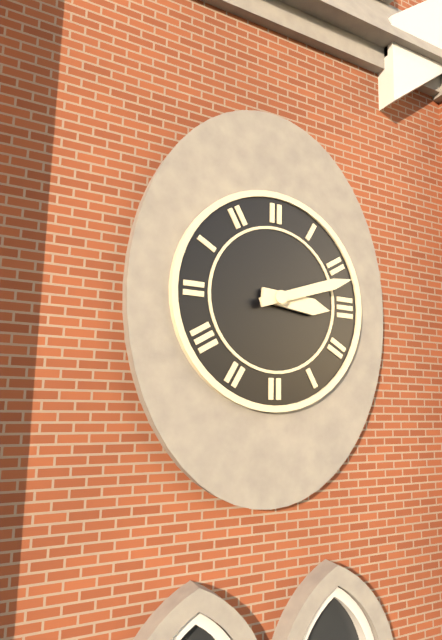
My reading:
{"hour": 3, "minute": 12}
